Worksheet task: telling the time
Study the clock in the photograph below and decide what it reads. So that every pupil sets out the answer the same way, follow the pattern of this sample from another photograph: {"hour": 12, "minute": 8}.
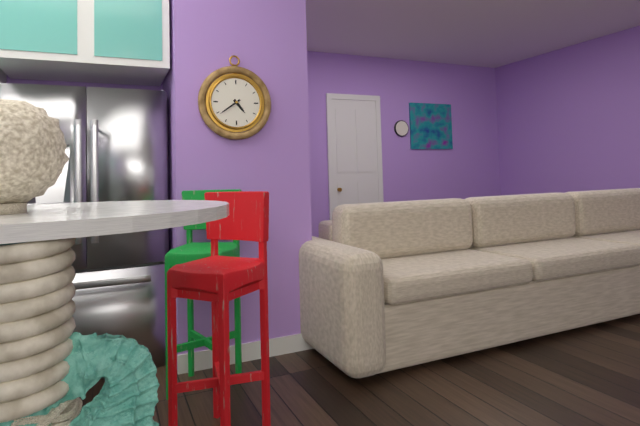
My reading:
{"hour": 4, "minute": 39}
